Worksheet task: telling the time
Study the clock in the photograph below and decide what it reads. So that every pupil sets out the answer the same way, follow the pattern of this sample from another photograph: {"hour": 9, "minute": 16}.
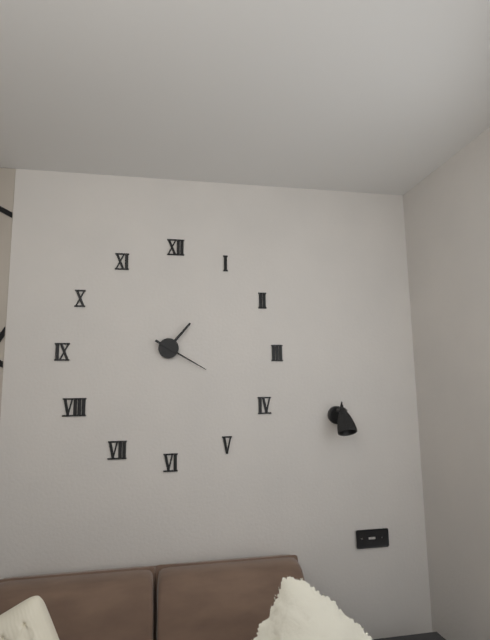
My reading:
{"hour": 1, "minute": 20}
